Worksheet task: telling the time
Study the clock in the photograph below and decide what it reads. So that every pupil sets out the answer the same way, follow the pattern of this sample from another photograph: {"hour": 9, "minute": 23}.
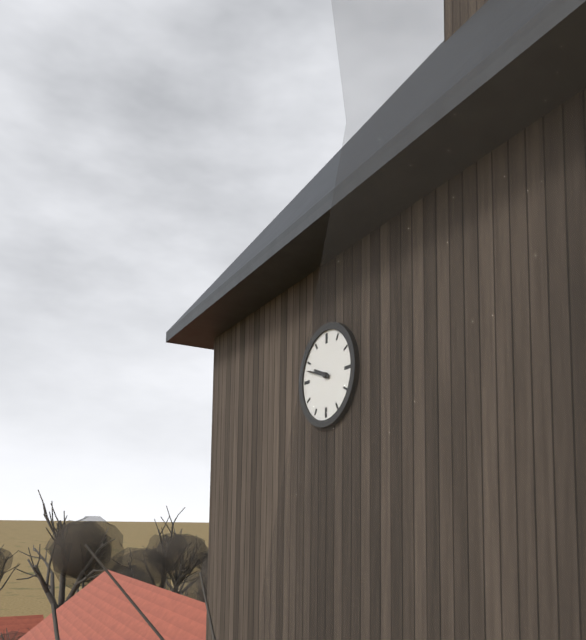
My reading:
{"hour": 9, "minute": 48}
